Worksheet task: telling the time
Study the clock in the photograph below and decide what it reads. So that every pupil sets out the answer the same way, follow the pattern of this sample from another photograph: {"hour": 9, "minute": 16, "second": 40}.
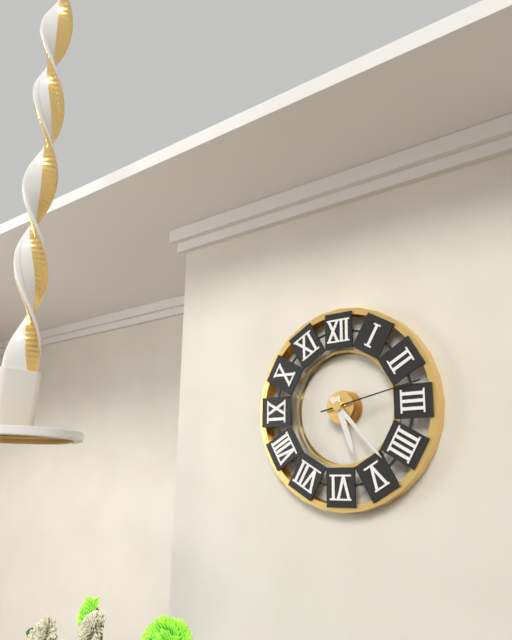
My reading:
{"hour": 5, "minute": 23, "second": 13}
